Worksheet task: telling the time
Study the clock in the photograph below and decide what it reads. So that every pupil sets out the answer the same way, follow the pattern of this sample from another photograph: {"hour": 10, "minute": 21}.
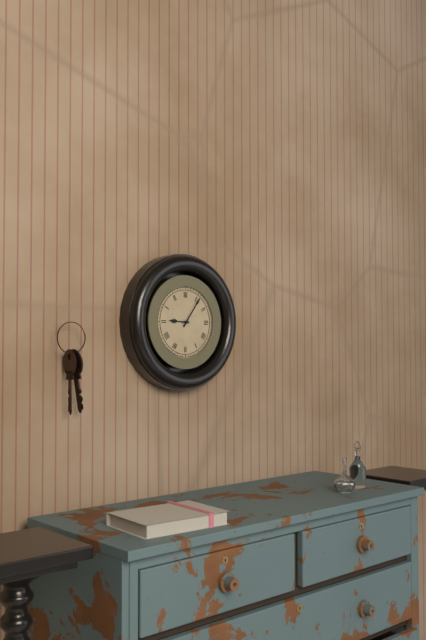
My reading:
{"hour": 9, "minute": 6}
